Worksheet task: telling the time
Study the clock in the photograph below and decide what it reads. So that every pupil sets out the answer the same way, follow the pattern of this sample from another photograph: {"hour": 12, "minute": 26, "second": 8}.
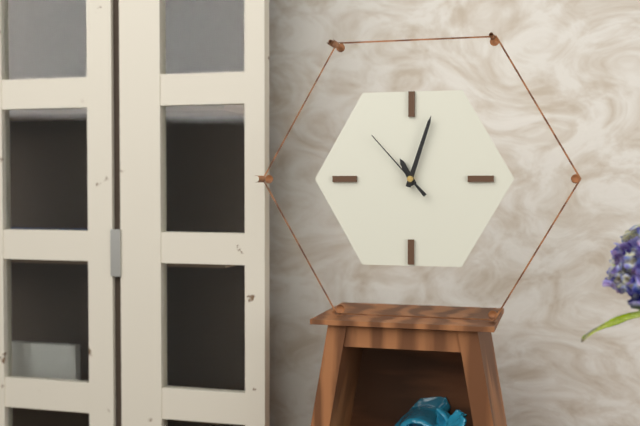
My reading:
{"hour": 11, "minute": 3, "second": 53}
